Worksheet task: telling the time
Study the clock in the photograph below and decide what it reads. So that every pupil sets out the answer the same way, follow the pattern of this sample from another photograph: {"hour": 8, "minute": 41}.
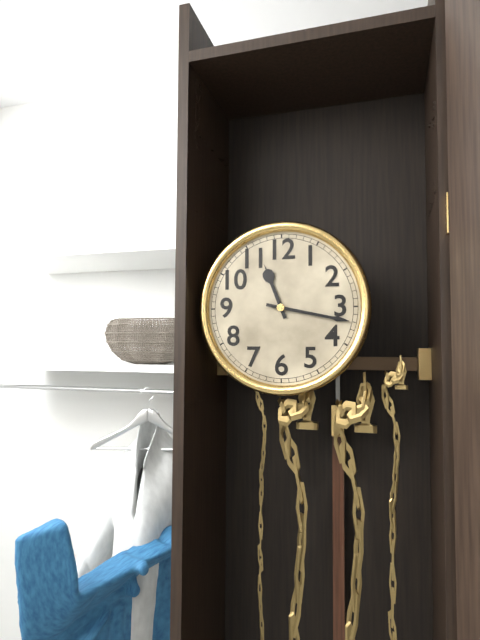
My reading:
{"hour": 11, "minute": 17}
